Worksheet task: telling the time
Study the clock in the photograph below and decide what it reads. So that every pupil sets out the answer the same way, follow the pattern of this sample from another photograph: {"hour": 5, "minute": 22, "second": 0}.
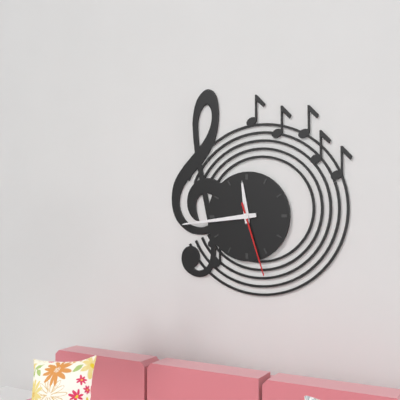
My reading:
{"hour": 11, "minute": 44, "second": 27}
